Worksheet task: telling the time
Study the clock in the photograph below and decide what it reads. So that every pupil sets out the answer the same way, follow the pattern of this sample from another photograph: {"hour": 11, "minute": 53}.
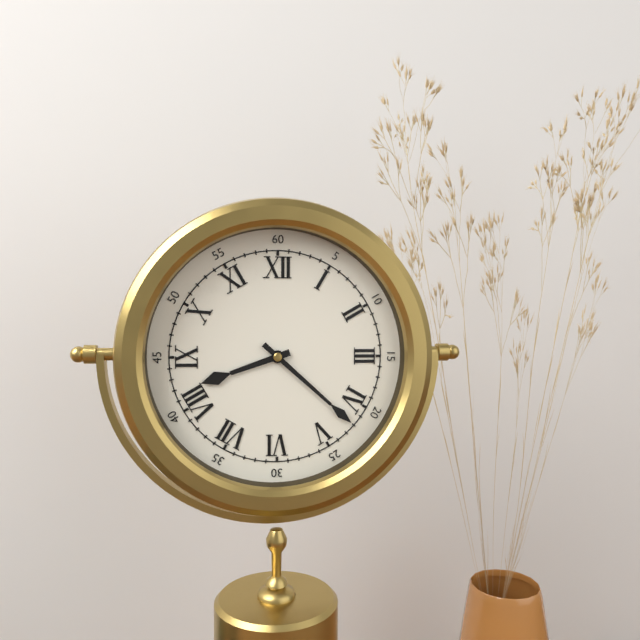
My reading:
{"hour": 8, "minute": 22}
